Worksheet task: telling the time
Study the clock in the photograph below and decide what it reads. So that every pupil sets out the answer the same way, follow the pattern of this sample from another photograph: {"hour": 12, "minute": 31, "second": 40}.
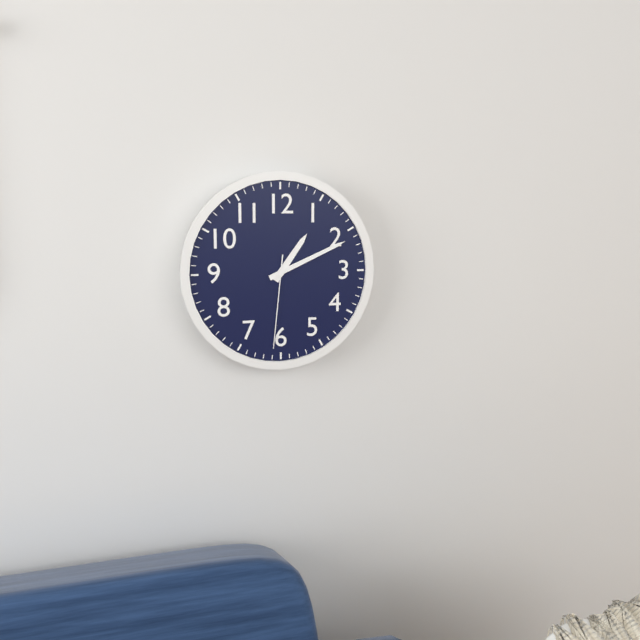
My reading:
{"hour": 1, "minute": 11, "second": 31}
